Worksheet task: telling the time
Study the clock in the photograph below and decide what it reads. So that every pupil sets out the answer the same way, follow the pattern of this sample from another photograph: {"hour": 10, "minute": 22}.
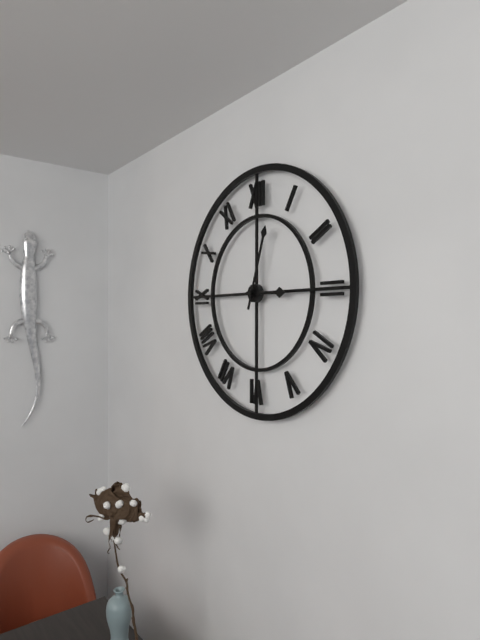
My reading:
{"hour": 3, "minute": 3}
